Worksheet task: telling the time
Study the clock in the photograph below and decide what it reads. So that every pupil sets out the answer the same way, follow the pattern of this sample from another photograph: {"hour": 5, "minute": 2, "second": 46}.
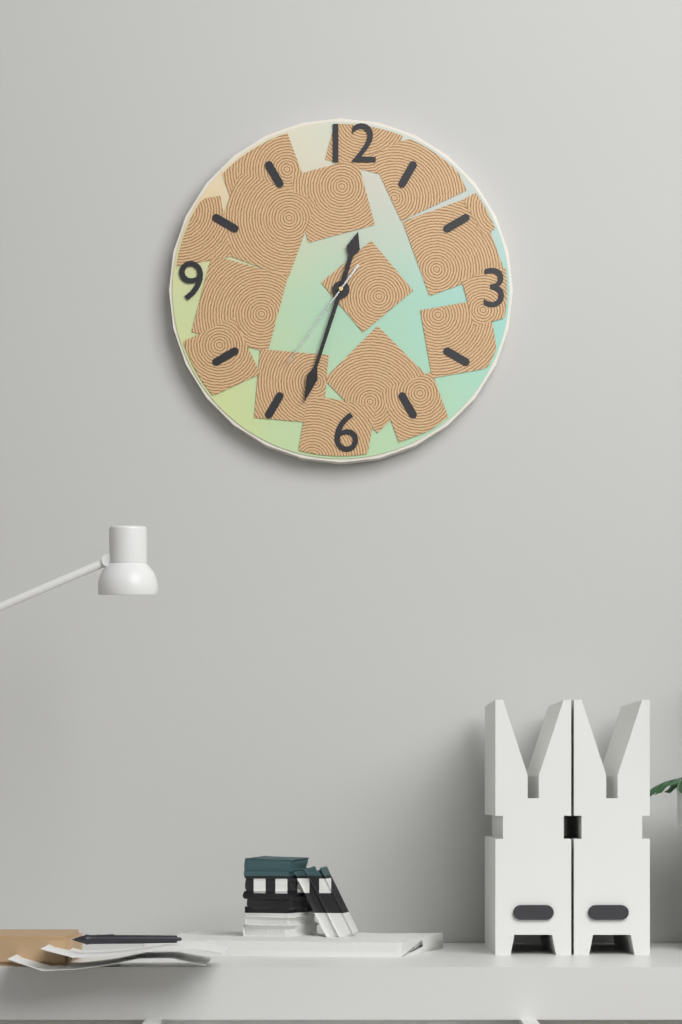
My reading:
{"hour": 12, "minute": 33, "second": 36}
